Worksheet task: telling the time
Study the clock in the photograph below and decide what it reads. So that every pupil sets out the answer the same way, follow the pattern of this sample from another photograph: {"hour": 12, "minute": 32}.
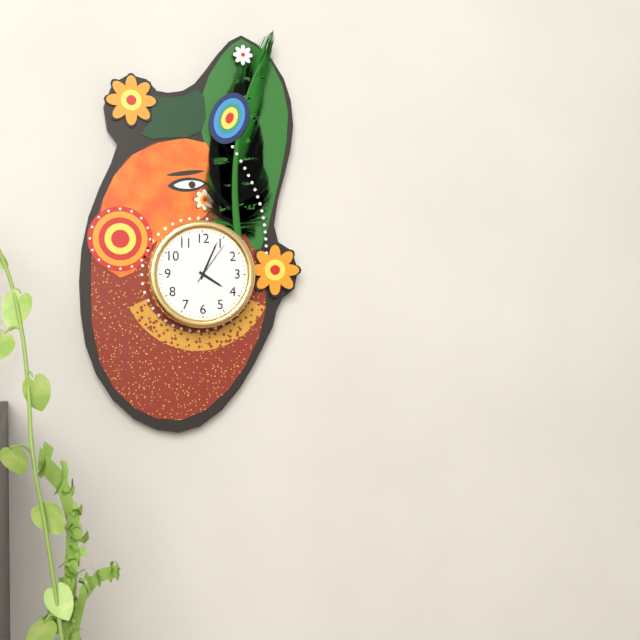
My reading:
{"hour": 4, "minute": 4}
